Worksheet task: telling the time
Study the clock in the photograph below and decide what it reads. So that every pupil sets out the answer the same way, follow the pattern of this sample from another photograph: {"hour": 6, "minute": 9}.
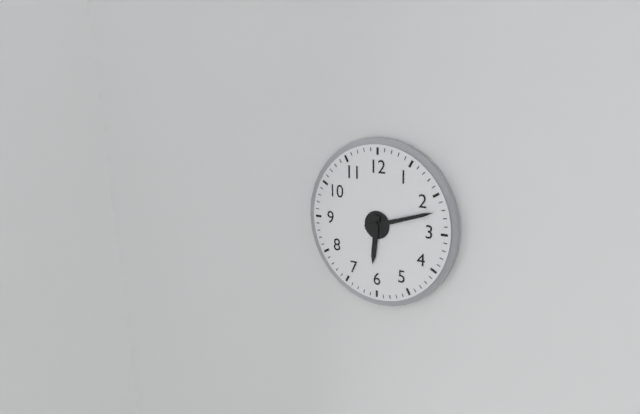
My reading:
{"hour": 6, "minute": 12}
